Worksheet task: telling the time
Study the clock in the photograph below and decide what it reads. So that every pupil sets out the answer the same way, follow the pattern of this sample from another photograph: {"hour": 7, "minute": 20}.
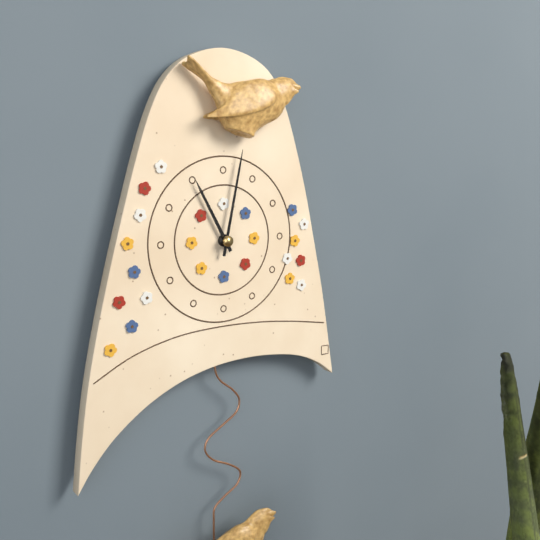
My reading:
{"hour": 11, "minute": 2}
